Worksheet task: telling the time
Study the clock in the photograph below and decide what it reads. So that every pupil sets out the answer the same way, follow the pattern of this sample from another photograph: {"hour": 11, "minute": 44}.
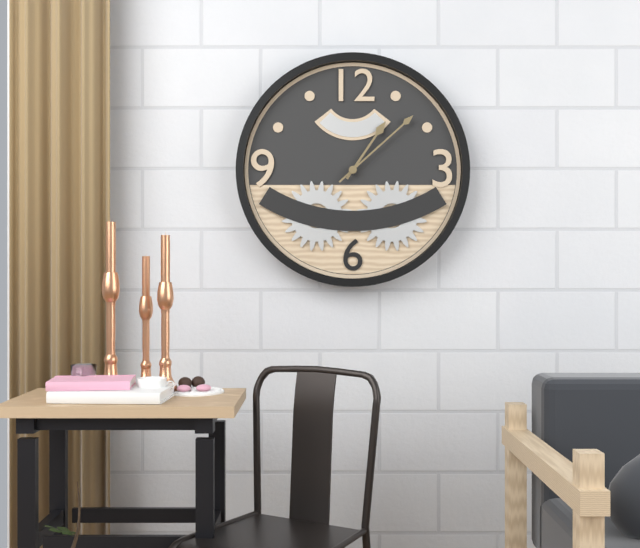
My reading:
{"hour": 1, "minute": 8}
